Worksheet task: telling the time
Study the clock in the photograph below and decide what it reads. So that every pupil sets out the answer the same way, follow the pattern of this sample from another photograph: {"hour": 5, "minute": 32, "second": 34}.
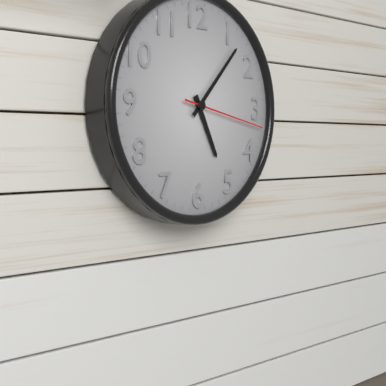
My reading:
{"hour": 5, "minute": 7, "second": 17}
